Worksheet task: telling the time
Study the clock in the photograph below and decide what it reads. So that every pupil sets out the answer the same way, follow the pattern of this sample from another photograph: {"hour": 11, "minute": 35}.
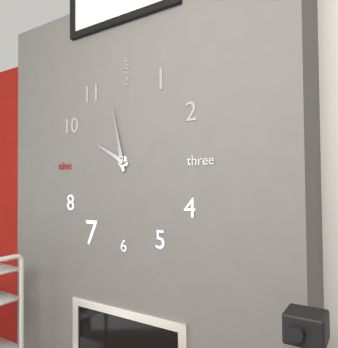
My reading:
{"hour": 9, "minute": 58}
